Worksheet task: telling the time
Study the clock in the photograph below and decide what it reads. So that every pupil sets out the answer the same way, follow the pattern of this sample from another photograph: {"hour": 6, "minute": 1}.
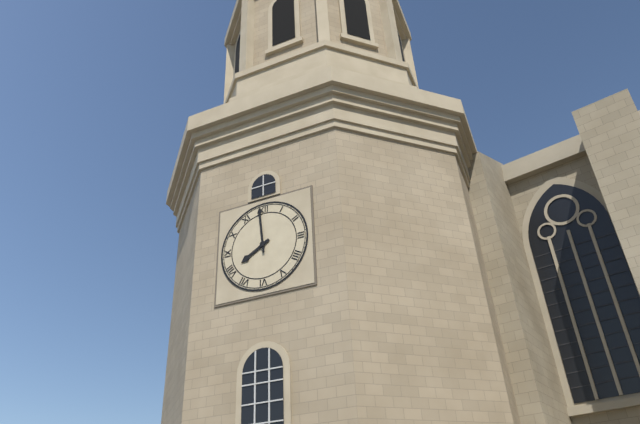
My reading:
{"hour": 7, "minute": 59}
